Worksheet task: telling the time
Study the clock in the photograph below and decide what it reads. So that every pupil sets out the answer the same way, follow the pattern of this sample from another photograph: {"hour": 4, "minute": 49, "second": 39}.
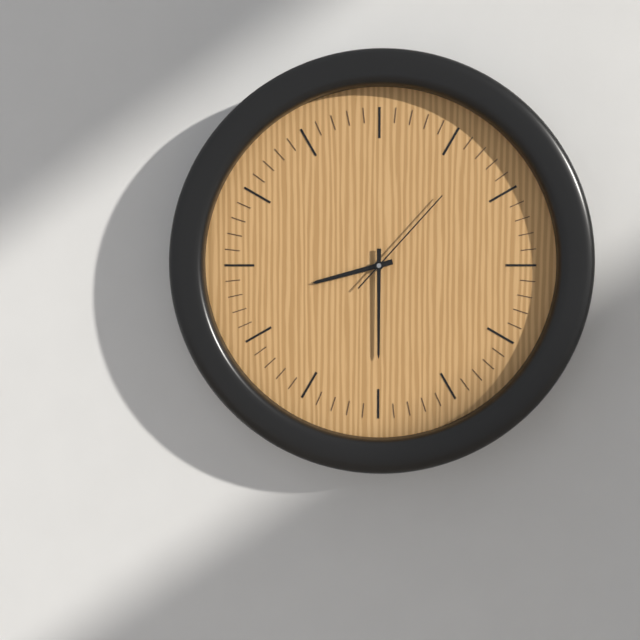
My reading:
{"hour": 8, "minute": 30, "second": 7}
